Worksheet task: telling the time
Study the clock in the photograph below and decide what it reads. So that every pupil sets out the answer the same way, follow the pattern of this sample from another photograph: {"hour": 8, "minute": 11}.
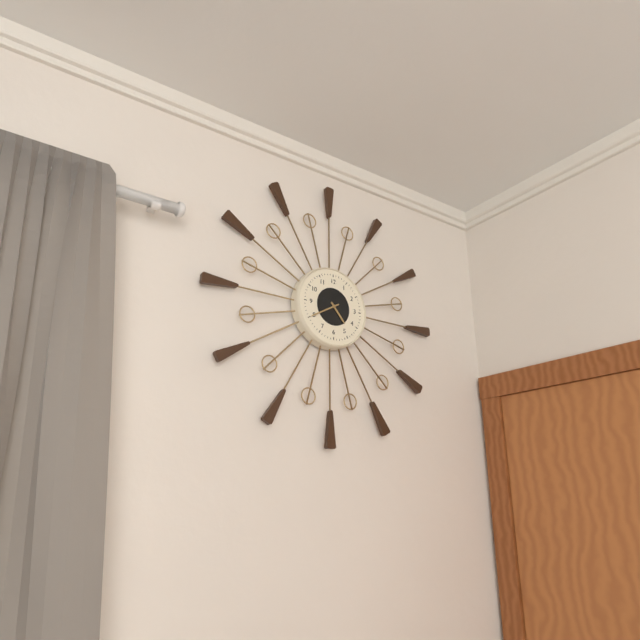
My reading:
{"hour": 4, "minute": 40}
